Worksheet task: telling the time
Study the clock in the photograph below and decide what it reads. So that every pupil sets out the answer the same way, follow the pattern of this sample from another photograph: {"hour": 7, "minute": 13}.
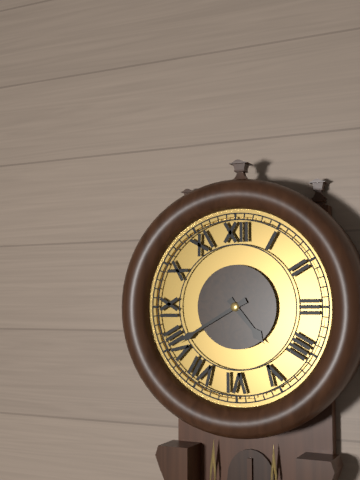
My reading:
{"hour": 4, "minute": 40}
